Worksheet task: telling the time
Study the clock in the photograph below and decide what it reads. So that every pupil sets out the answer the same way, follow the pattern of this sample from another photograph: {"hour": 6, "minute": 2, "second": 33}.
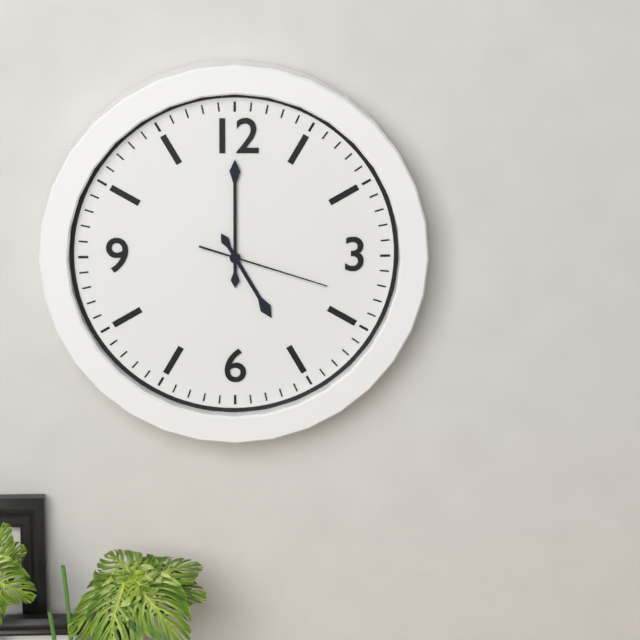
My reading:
{"hour": 5, "minute": 0, "second": 18}
